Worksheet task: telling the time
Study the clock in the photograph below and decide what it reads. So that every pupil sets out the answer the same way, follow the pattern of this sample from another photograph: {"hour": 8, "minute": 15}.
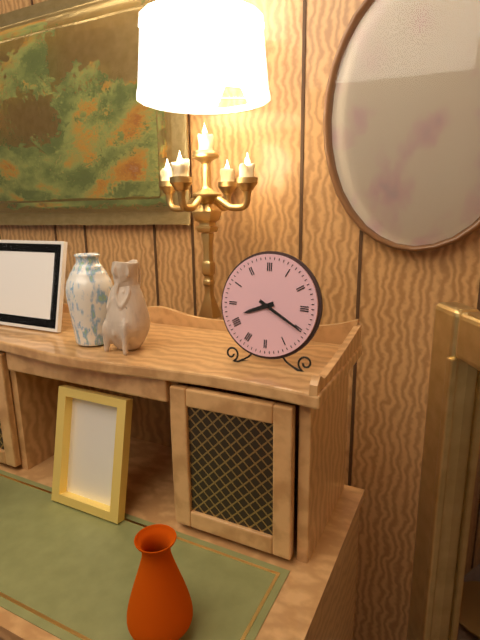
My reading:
{"hour": 8, "minute": 20}
